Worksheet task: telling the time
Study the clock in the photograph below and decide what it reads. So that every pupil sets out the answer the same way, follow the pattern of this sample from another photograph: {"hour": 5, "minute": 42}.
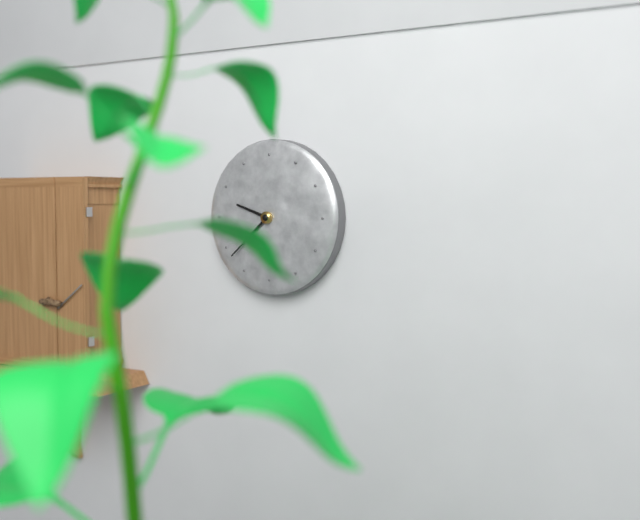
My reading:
{"hour": 9, "minute": 38}
